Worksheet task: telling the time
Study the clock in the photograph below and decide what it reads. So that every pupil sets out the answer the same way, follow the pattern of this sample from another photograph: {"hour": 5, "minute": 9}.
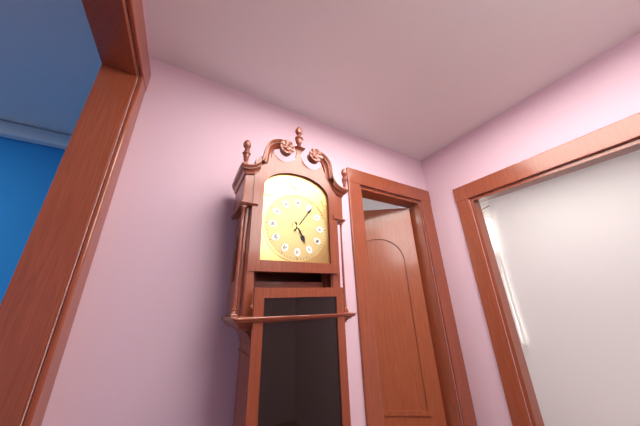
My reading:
{"hour": 5, "minute": 6}
